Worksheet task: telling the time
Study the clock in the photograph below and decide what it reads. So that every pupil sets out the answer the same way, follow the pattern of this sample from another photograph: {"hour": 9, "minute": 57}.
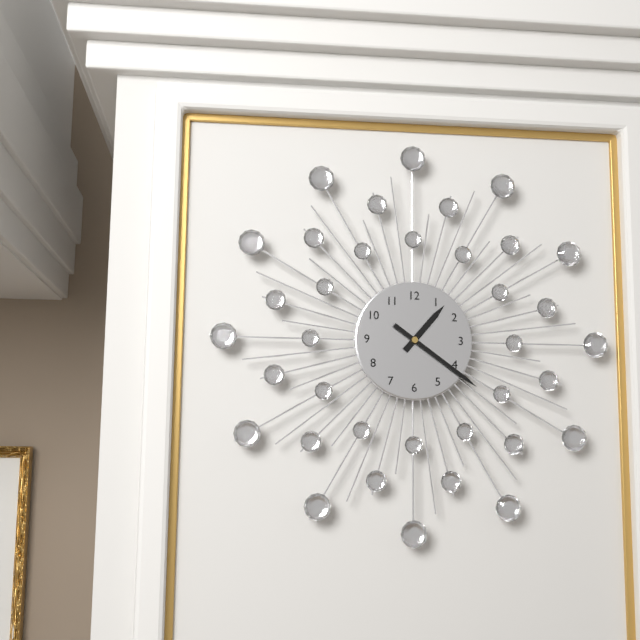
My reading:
{"hour": 1, "minute": 21}
